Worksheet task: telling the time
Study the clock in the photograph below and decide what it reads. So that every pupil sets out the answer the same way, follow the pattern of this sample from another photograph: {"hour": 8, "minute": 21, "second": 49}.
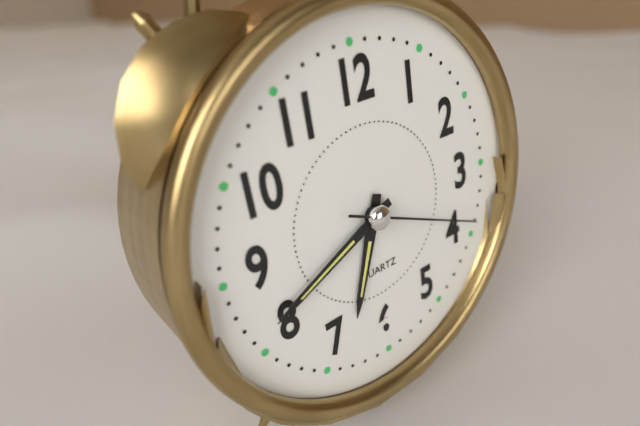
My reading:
{"hour": 6, "minute": 41, "second": 19}
